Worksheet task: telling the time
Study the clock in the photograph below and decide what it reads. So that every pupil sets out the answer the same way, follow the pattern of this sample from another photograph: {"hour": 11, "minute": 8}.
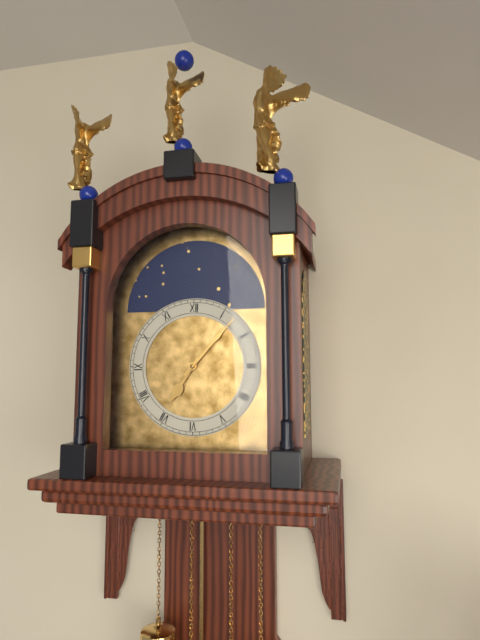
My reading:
{"hour": 7, "minute": 7}
